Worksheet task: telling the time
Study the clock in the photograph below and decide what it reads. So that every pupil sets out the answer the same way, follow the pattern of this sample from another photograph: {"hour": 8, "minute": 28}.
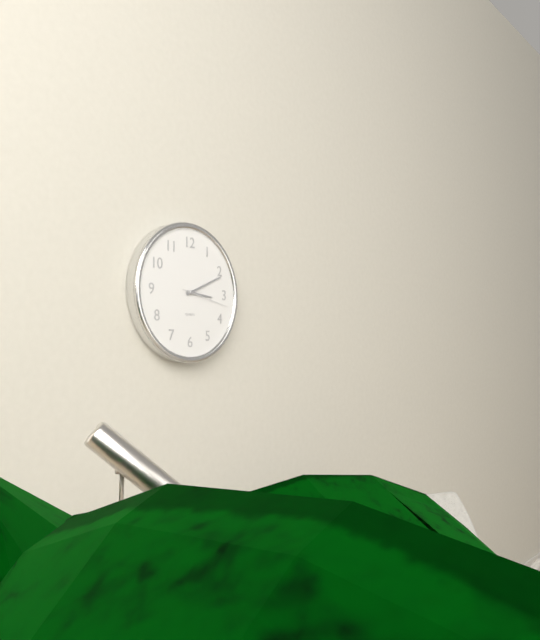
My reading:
{"hour": 3, "minute": 11}
